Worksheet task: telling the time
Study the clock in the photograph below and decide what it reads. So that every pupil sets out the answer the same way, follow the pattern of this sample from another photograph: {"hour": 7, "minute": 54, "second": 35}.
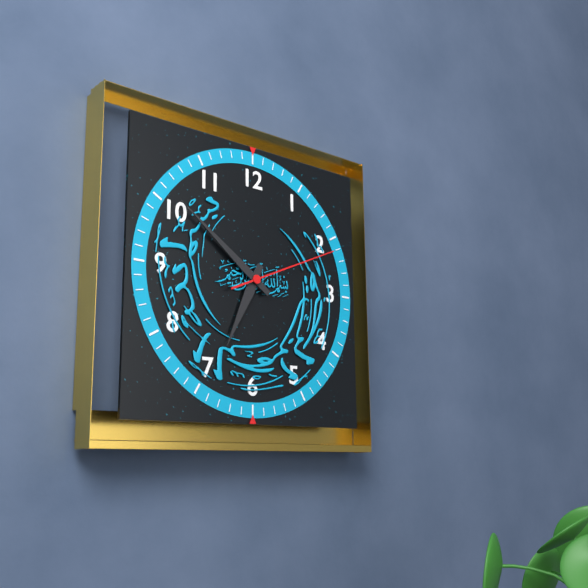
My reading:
{"hour": 6, "minute": 51, "second": 11}
